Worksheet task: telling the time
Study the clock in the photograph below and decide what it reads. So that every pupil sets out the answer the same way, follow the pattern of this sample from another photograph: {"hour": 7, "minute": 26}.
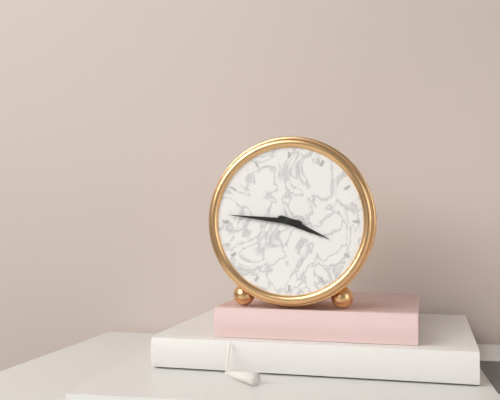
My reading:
{"hour": 3, "minute": 46}
